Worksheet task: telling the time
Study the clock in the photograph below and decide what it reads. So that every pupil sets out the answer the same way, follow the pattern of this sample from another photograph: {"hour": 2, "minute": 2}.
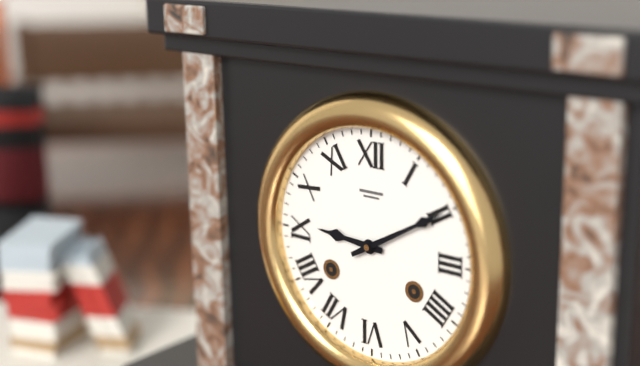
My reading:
{"hour": 9, "minute": 10}
